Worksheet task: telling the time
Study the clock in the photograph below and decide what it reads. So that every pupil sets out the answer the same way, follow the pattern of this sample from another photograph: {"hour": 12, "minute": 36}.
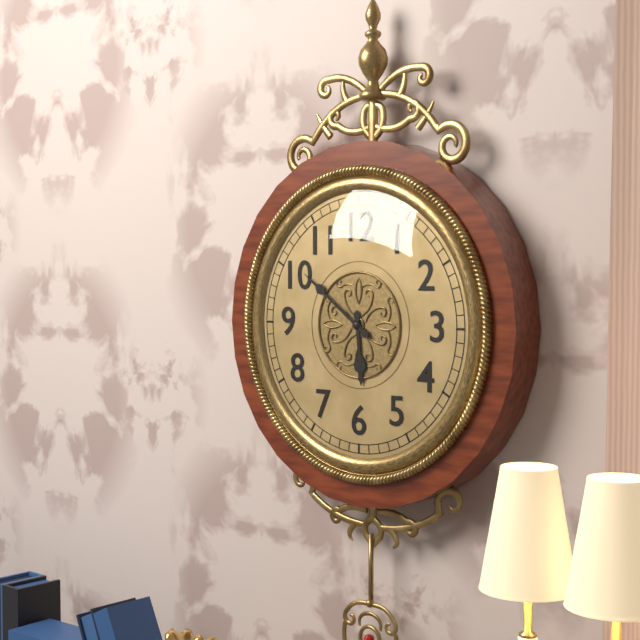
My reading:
{"hour": 5, "minute": 51}
